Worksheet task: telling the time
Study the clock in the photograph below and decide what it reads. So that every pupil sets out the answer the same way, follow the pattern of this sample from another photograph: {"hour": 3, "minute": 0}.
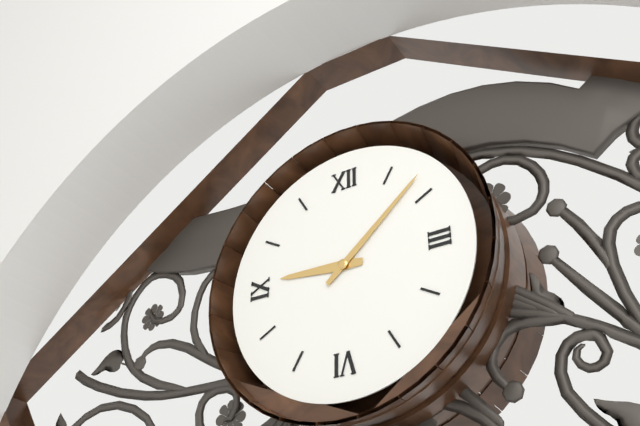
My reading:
{"hour": 9, "minute": 8}
